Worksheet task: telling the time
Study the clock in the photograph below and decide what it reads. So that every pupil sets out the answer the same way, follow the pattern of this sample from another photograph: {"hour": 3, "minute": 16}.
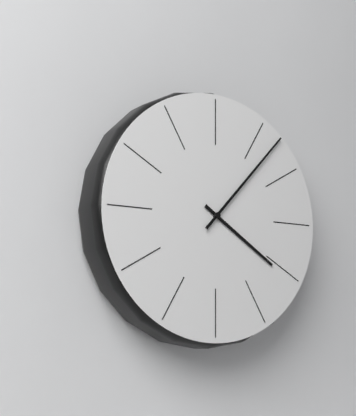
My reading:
{"hour": 4, "minute": 7}
